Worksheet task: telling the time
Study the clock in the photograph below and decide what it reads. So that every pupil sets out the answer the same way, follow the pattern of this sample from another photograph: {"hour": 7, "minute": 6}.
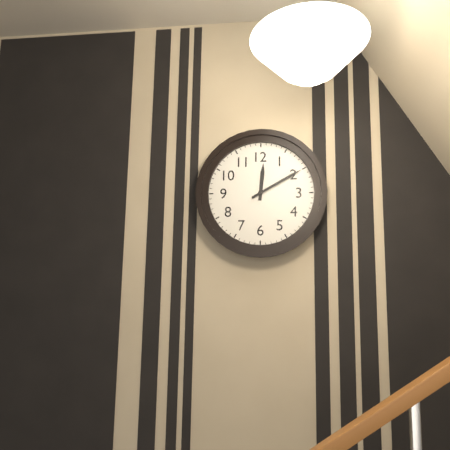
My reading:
{"hour": 12, "minute": 10}
